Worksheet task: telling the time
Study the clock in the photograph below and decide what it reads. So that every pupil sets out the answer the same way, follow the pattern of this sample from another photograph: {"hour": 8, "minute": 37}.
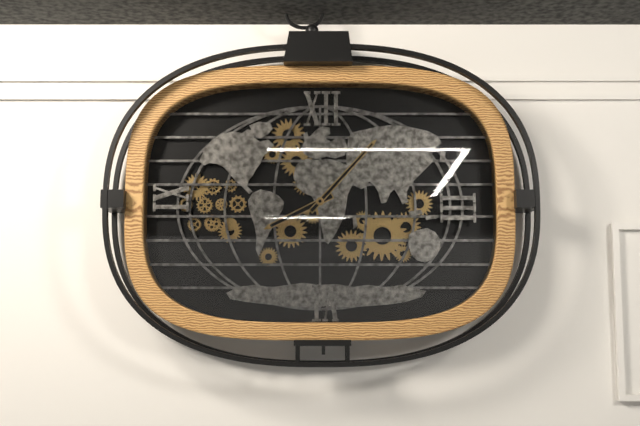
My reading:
{"hour": 8, "minute": 7}
